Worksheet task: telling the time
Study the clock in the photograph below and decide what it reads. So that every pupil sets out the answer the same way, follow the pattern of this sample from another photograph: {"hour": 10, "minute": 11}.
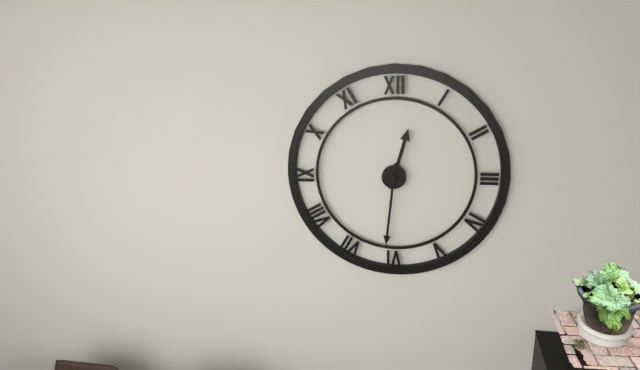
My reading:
{"hour": 12, "minute": 31}
